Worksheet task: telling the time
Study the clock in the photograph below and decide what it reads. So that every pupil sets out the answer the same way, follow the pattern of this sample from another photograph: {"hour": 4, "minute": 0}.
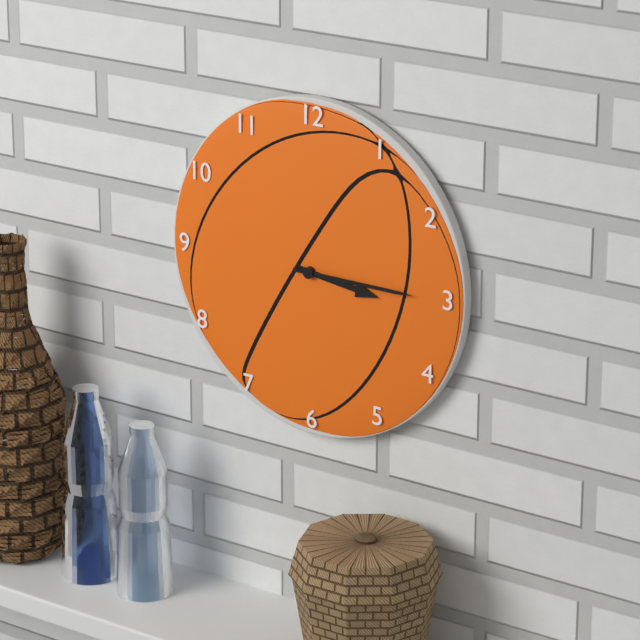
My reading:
{"hour": 3, "minute": 15}
